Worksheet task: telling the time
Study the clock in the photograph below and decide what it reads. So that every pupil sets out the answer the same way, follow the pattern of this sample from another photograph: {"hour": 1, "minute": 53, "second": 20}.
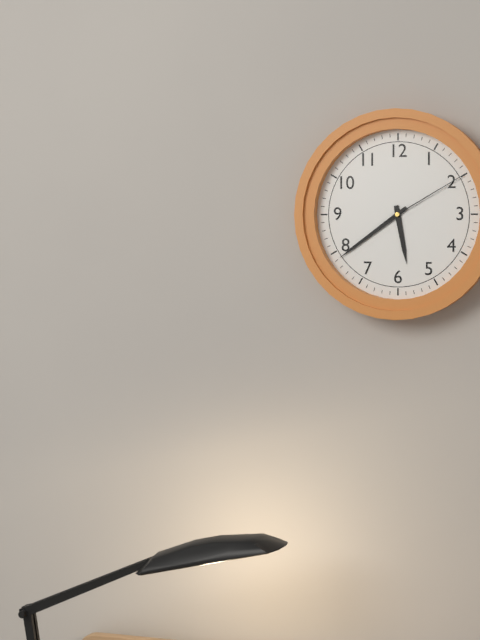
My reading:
{"hour": 5, "minute": 39, "second": 10}
